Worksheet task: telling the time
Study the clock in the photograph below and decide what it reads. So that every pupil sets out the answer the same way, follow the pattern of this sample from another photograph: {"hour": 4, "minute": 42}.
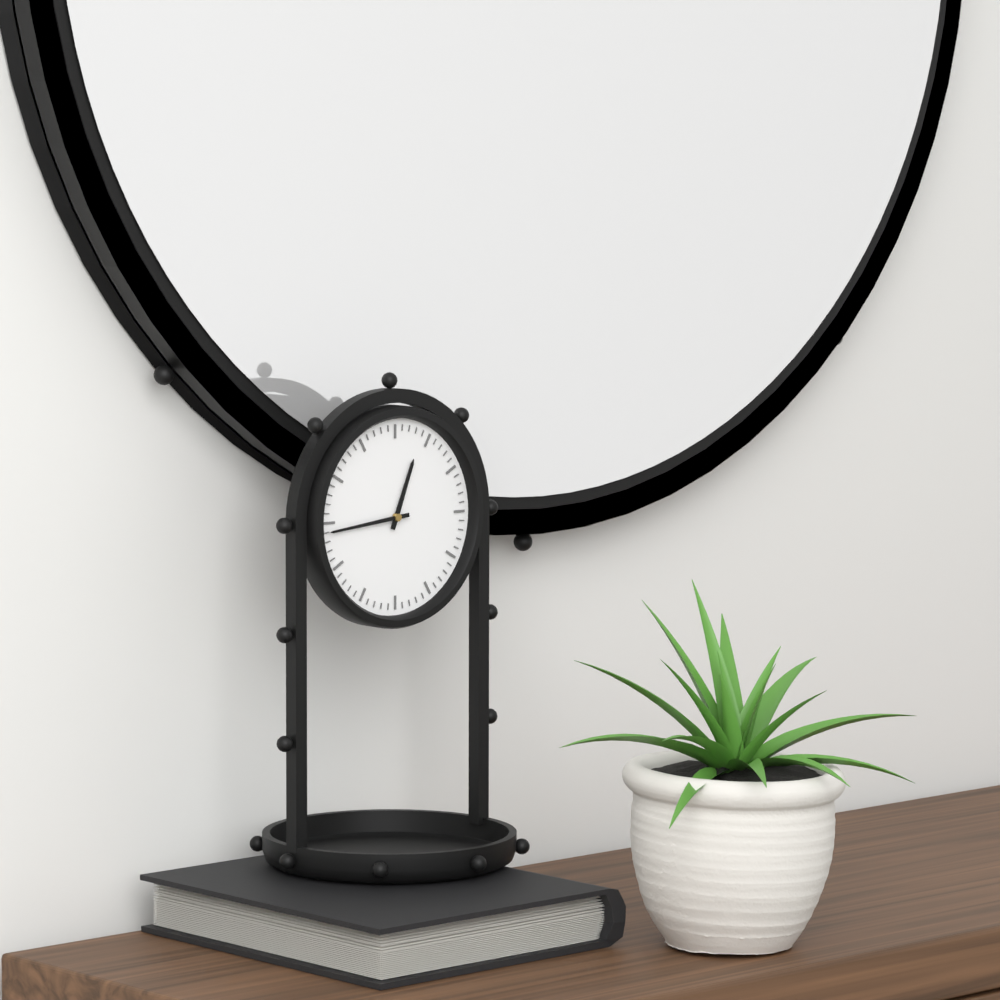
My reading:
{"hour": 12, "minute": 44}
